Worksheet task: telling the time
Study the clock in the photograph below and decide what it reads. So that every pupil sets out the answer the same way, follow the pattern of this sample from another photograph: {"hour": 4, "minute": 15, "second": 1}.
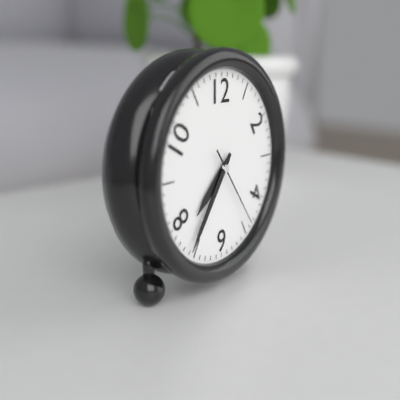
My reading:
{"hour": 7, "minute": 36, "second": 24}
